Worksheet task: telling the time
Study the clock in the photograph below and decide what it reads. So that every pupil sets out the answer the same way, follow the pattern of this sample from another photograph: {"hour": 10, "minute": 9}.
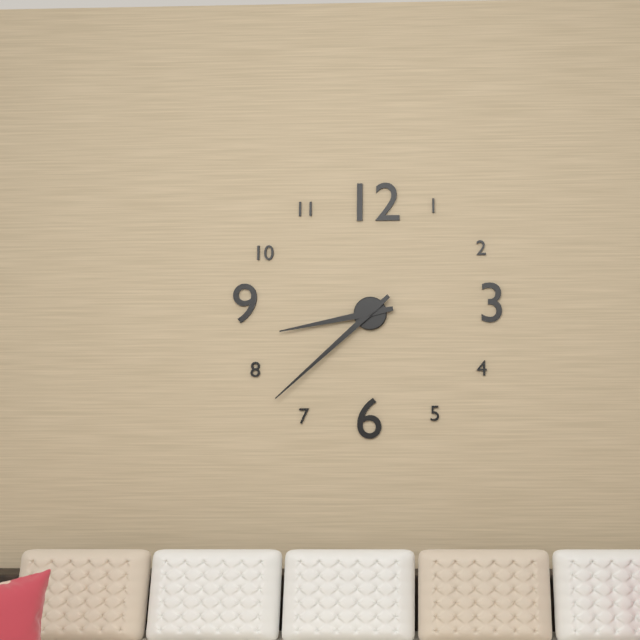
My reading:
{"hour": 8, "minute": 38}
